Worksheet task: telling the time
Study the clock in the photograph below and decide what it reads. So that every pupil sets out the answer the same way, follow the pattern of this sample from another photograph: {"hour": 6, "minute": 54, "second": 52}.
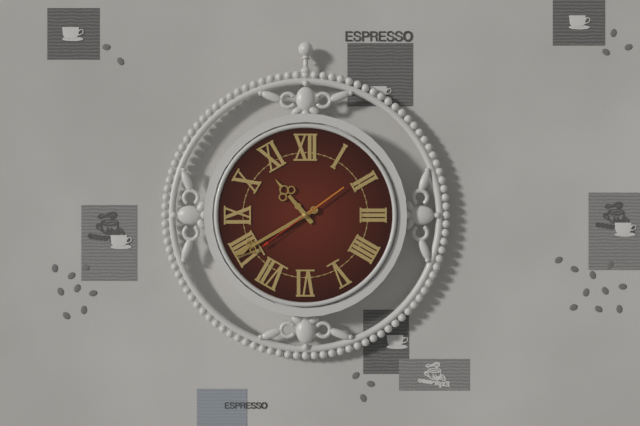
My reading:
{"hour": 10, "minute": 40, "second": 39}
